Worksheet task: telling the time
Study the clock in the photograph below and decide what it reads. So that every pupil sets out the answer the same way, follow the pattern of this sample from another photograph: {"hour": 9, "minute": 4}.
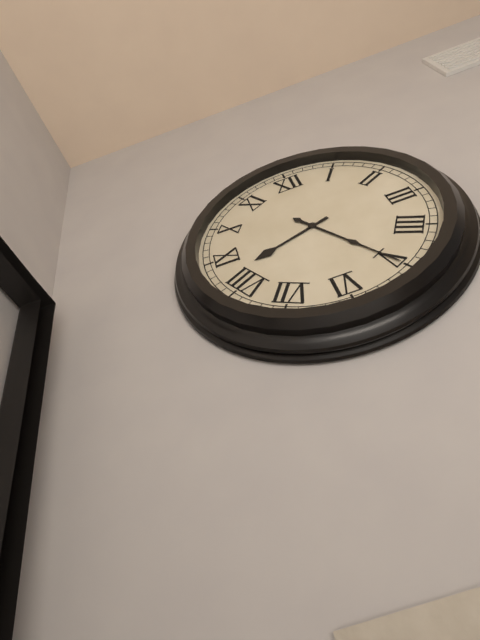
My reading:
{"hour": 8, "minute": 25}
